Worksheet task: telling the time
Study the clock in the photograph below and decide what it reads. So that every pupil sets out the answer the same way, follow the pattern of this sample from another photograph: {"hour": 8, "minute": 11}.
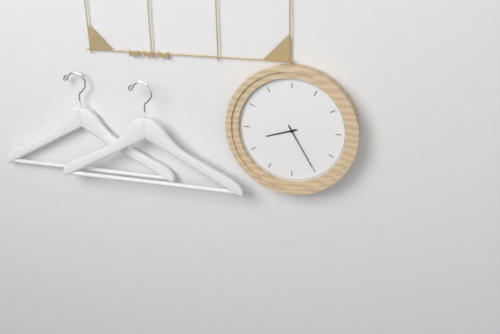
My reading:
{"hour": 8, "minute": 25}
